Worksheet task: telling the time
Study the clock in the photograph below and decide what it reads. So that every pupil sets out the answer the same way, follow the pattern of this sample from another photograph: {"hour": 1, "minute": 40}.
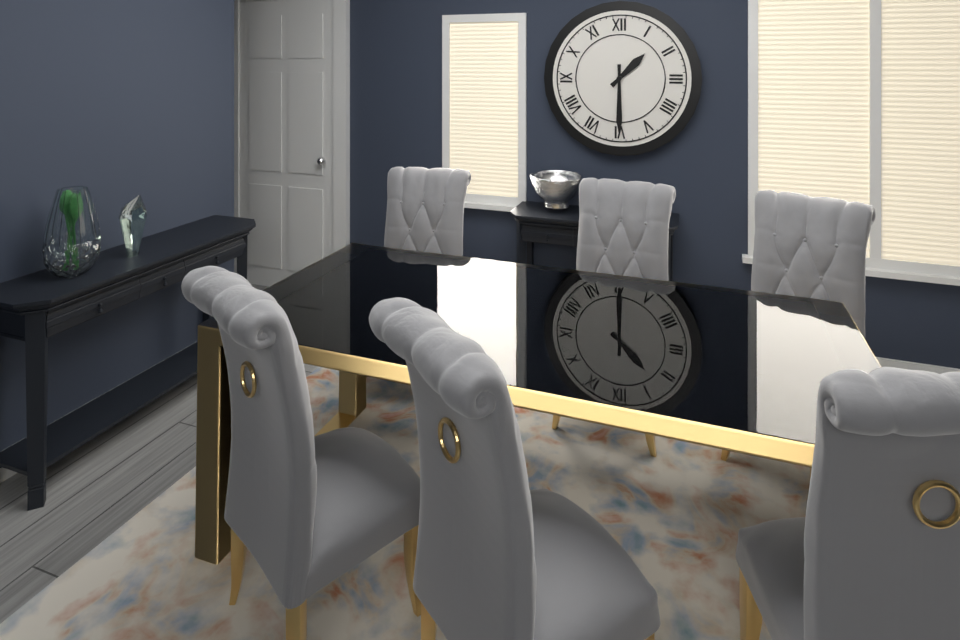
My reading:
{"hour": 1, "minute": 30}
